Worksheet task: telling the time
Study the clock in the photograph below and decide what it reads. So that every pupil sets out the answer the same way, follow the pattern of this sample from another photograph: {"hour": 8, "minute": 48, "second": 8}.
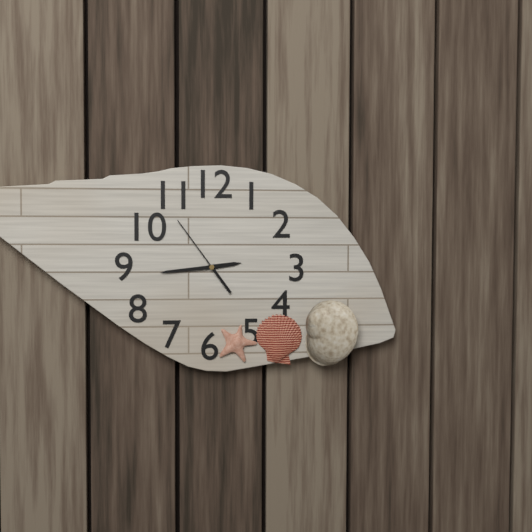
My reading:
{"hour": 2, "minute": 44, "second": 54}
